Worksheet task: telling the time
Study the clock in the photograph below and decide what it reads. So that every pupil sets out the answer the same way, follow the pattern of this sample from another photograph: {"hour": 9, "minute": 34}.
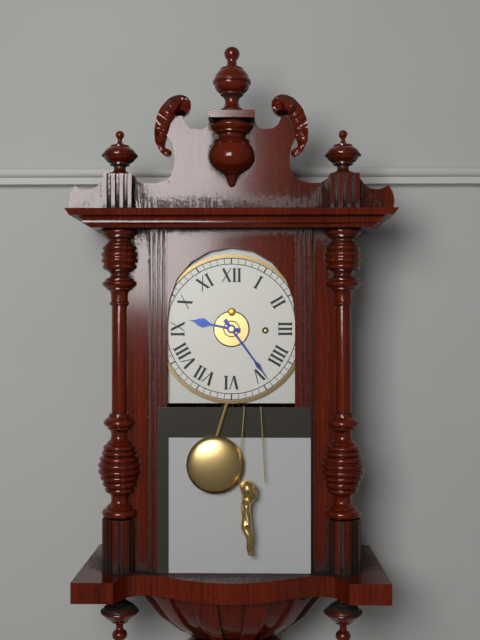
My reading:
{"hour": 9, "minute": 24}
